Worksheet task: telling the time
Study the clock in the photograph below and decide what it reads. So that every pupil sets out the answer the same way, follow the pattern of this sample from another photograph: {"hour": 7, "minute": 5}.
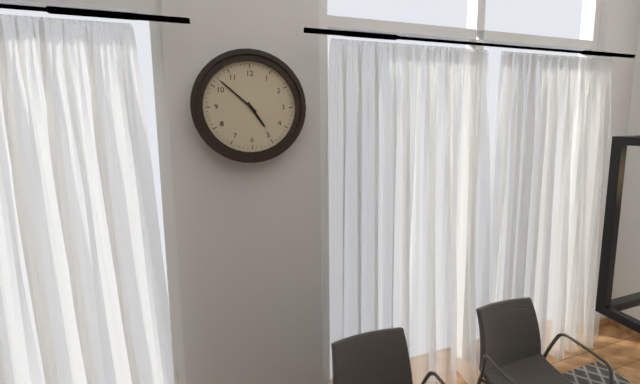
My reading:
{"hour": 4, "minute": 52}
